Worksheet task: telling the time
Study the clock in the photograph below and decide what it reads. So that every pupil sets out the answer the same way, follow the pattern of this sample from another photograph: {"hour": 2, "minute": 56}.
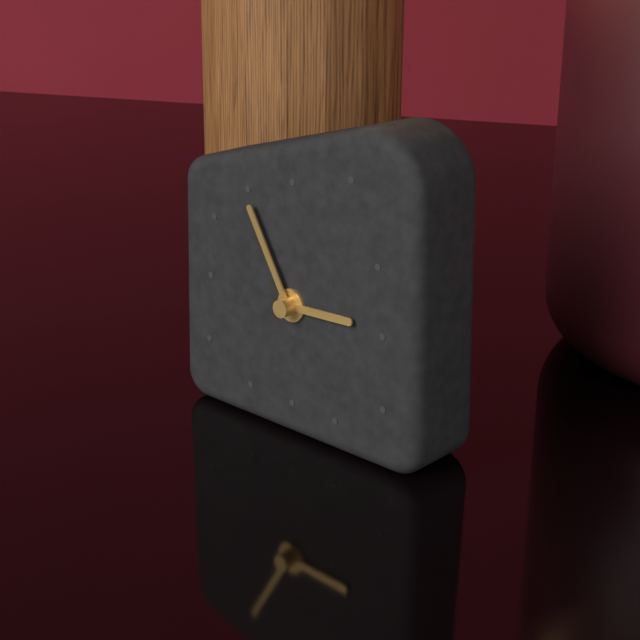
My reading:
{"hour": 2, "minute": 55}
